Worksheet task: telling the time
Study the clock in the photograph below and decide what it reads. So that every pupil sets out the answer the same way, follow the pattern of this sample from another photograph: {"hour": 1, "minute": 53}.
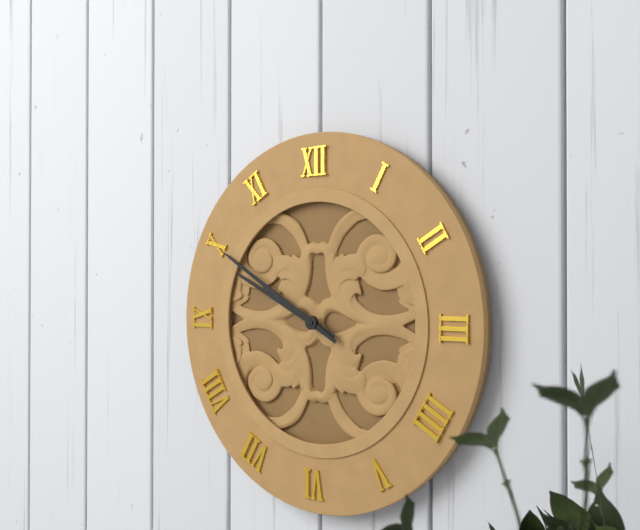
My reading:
{"hour": 9, "minute": 50}
